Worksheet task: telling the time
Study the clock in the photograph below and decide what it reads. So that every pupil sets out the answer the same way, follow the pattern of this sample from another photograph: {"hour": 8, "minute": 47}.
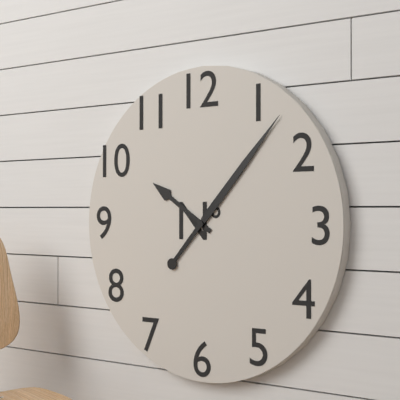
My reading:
{"hour": 10, "minute": 7}
